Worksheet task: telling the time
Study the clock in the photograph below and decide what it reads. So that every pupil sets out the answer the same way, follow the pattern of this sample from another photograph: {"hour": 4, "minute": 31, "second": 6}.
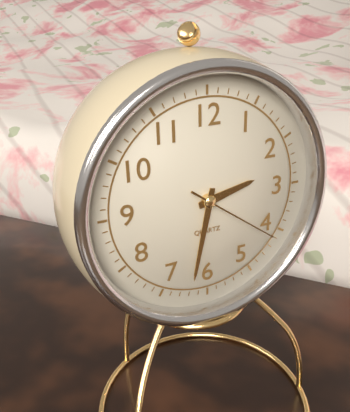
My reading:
{"hour": 2, "minute": 32, "second": 21}
